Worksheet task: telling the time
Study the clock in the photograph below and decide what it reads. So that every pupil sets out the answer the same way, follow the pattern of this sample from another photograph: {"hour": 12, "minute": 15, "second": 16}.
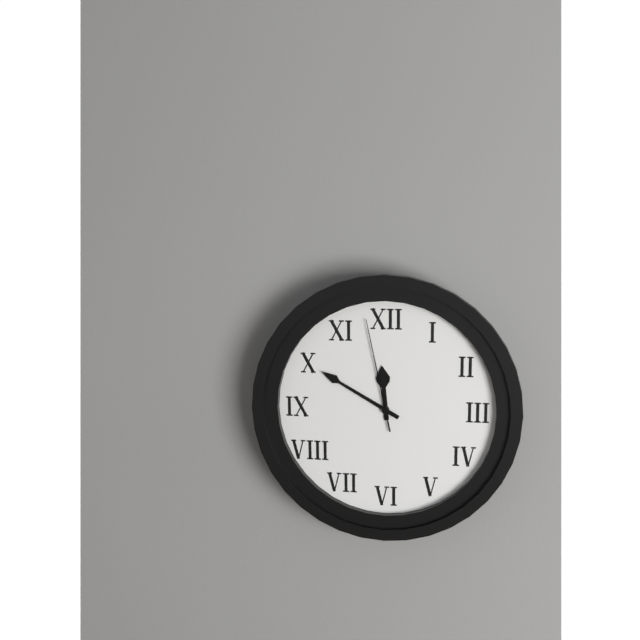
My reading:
{"hour": 11, "minute": 50, "second": 58}
